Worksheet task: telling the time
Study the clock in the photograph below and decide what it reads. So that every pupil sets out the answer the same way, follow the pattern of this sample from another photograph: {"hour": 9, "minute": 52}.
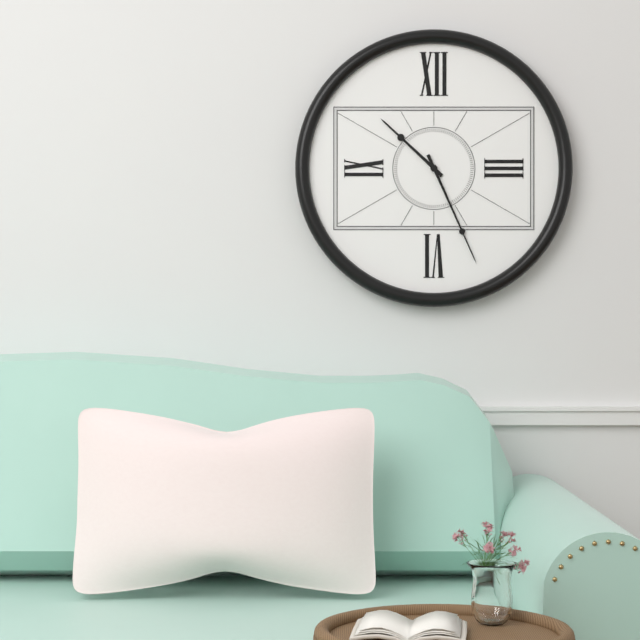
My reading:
{"hour": 10, "minute": 26}
